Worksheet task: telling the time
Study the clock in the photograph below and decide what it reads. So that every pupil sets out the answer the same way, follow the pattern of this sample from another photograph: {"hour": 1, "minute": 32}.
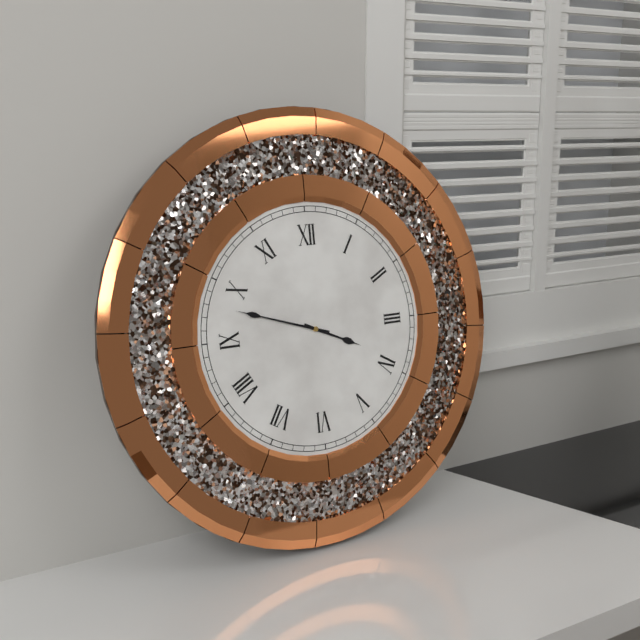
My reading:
{"hour": 3, "minute": 48}
